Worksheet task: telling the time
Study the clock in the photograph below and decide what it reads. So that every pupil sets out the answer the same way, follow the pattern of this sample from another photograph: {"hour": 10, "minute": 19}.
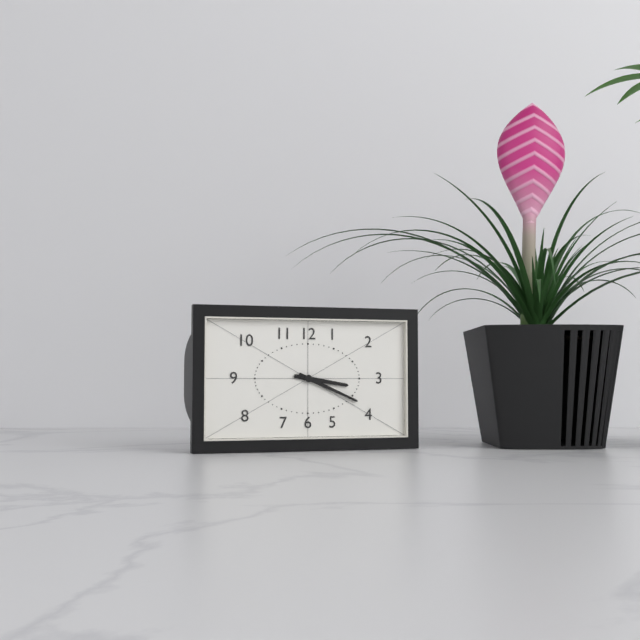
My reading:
{"hour": 3, "minute": 19}
